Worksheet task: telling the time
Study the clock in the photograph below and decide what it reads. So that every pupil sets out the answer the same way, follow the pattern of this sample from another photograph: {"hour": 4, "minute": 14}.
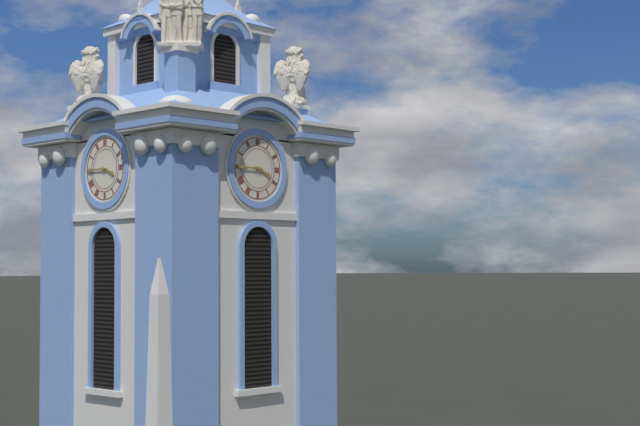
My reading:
{"hour": 3, "minute": 45}
